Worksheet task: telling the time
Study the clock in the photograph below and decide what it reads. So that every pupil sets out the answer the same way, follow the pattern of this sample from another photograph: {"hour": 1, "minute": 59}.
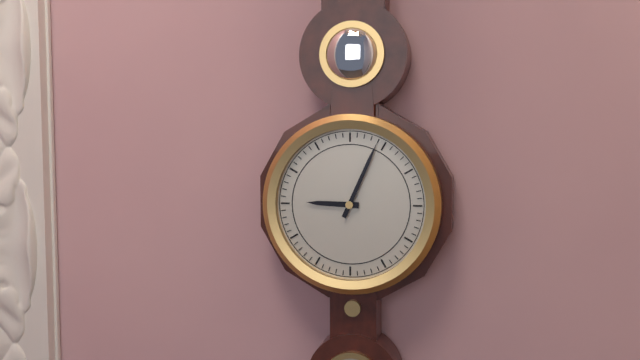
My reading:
{"hour": 9, "minute": 4}
